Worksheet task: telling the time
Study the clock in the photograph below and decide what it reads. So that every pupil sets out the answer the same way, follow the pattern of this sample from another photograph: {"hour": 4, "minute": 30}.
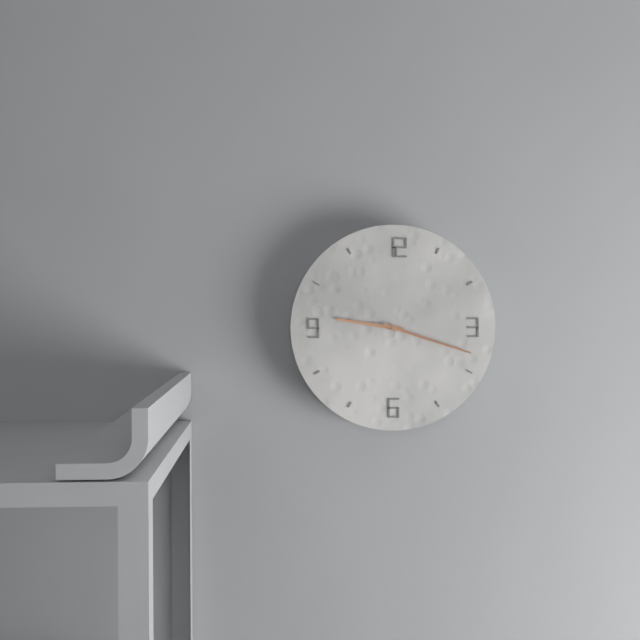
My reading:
{"hour": 9, "minute": 18}
